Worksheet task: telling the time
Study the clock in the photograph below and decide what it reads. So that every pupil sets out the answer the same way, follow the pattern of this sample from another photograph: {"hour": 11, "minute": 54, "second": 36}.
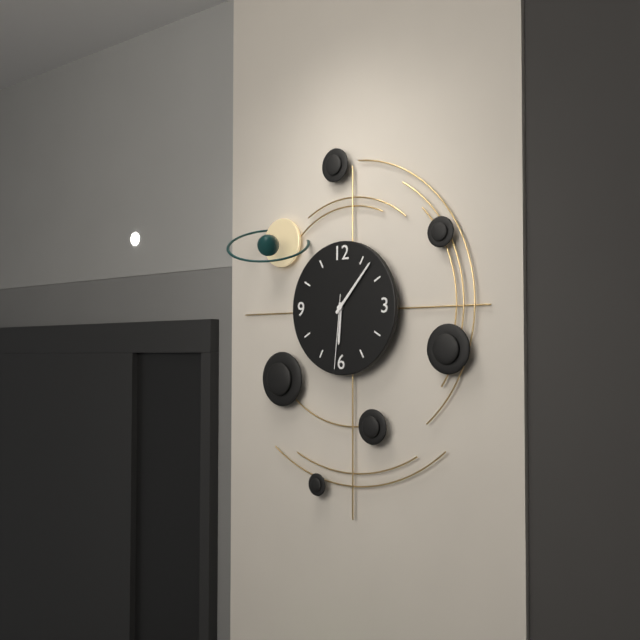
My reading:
{"hour": 6, "minute": 7, "second": 31}
